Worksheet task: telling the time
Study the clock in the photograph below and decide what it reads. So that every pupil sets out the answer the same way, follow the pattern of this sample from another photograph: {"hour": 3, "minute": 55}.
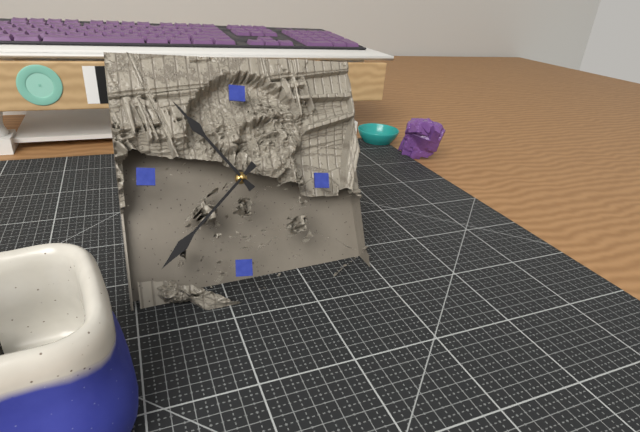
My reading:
{"hour": 10, "minute": 37}
